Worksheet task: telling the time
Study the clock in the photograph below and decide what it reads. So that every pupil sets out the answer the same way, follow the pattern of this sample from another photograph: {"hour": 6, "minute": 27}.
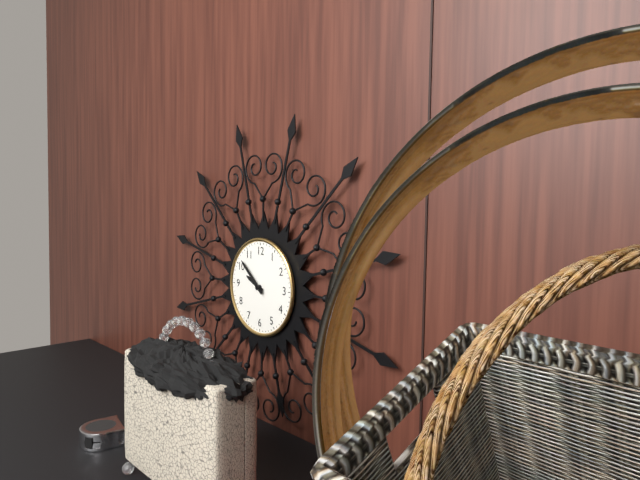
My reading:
{"hour": 9, "minute": 52}
